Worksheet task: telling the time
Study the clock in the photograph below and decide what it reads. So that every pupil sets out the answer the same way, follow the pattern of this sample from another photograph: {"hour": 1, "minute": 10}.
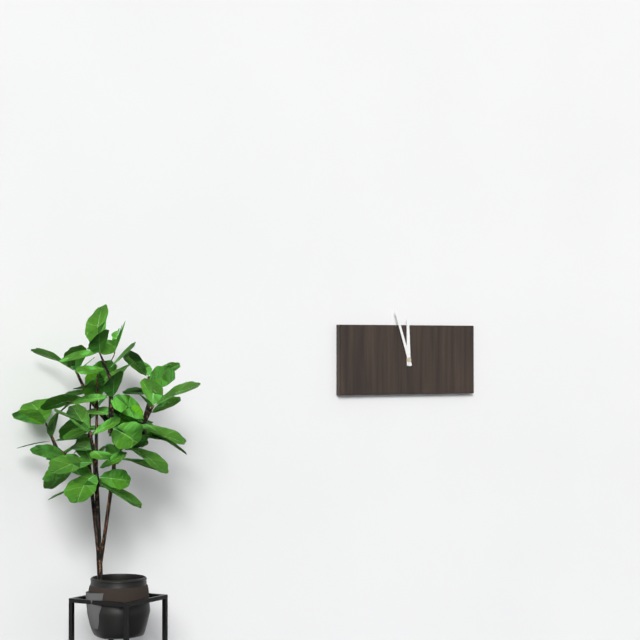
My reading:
{"hour": 11, "minute": 57}
